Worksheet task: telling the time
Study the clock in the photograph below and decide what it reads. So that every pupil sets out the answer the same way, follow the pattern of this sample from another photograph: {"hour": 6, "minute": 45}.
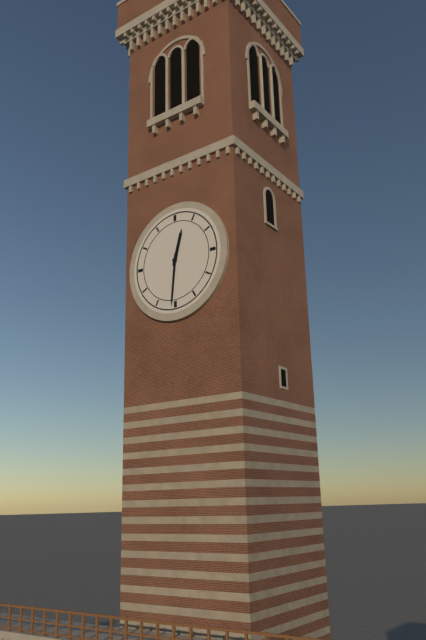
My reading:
{"hour": 12, "minute": 31}
